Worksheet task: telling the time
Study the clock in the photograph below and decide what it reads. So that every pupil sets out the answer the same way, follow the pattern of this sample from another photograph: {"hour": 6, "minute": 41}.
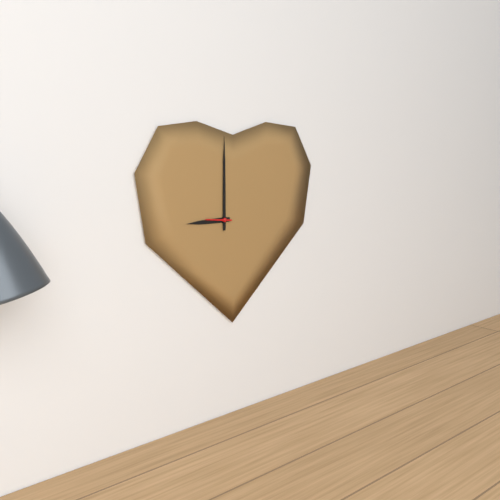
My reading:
{"hour": 9, "minute": 0}
